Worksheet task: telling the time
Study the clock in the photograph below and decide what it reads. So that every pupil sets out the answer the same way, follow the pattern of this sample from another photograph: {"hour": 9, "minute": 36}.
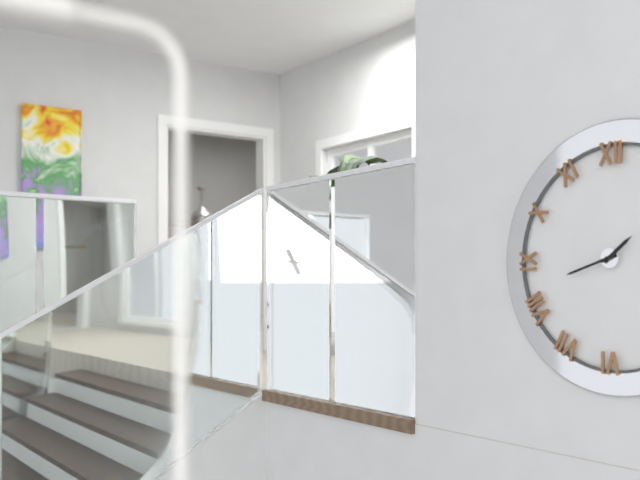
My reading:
{"hour": 1, "minute": 42}
